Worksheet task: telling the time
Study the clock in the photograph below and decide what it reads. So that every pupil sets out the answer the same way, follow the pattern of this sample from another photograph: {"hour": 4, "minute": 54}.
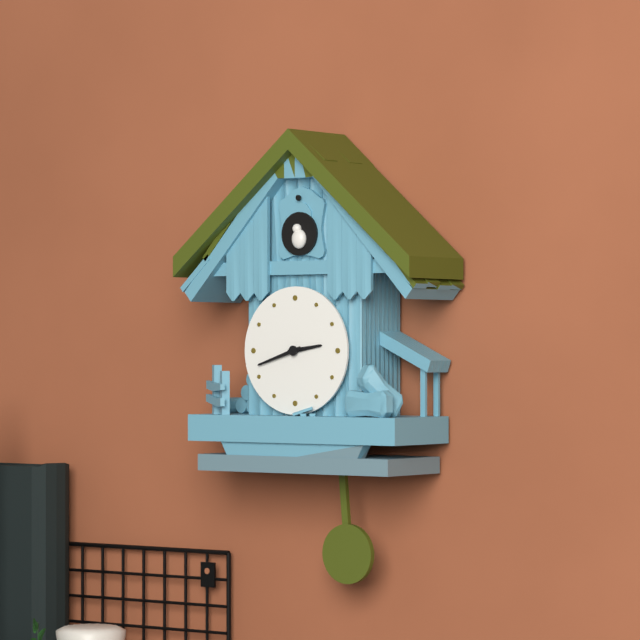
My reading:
{"hour": 2, "minute": 42}
